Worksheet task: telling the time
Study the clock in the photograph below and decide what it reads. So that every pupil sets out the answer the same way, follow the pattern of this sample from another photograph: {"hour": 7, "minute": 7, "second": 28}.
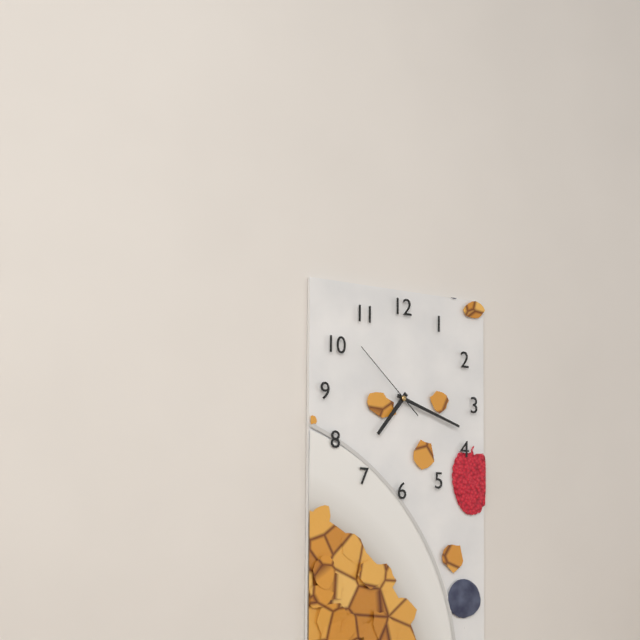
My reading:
{"hour": 7, "minute": 18, "second": 52}
